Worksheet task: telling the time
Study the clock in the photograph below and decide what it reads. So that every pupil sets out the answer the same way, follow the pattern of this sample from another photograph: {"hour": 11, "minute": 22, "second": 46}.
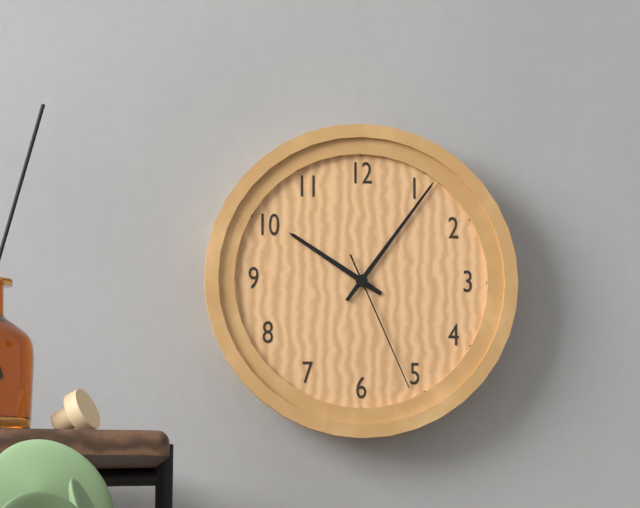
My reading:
{"hour": 10, "minute": 6, "second": 26}
